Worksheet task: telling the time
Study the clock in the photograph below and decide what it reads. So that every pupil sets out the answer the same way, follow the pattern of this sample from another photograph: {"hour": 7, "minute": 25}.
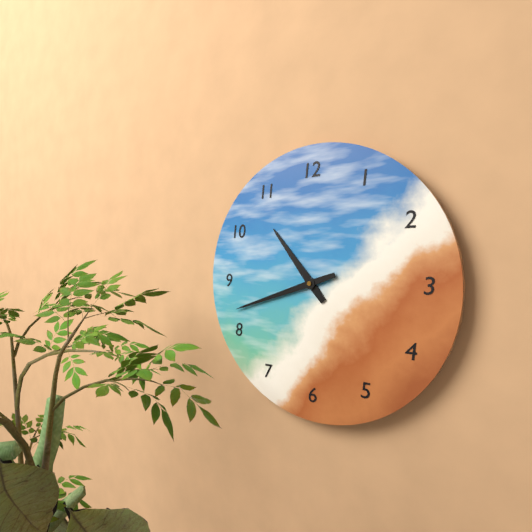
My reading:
{"hour": 10, "minute": 42}
